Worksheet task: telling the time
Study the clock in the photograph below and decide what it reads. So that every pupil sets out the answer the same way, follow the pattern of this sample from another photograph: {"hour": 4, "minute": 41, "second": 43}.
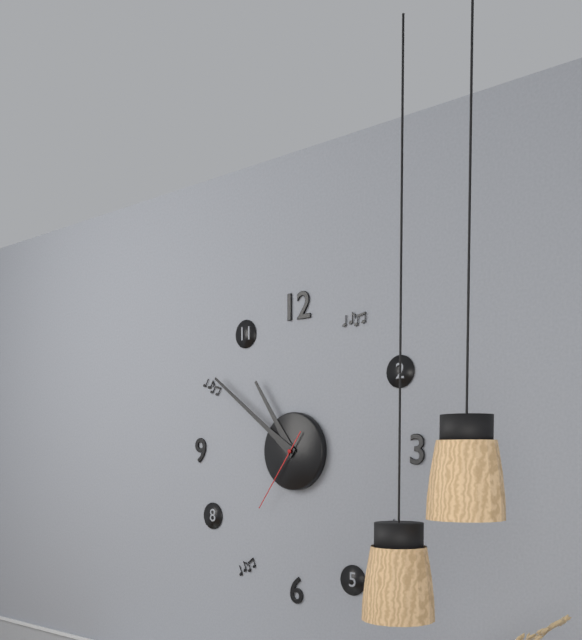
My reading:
{"hour": 10, "minute": 51, "second": 36}
